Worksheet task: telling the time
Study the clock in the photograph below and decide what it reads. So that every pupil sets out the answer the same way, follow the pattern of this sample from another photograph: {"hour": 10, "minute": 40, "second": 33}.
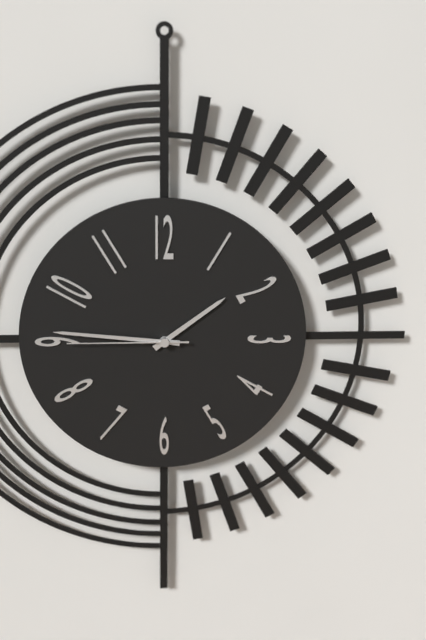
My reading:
{"hour": 1, "minute": 46, "second": 45}
